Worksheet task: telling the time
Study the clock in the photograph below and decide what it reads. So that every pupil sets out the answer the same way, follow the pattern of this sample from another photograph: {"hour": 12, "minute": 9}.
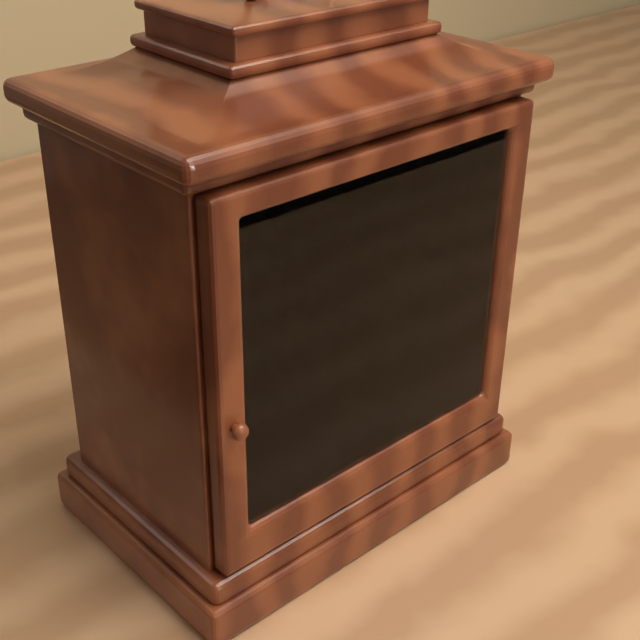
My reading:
{"hour": 4, "minute": 45}
